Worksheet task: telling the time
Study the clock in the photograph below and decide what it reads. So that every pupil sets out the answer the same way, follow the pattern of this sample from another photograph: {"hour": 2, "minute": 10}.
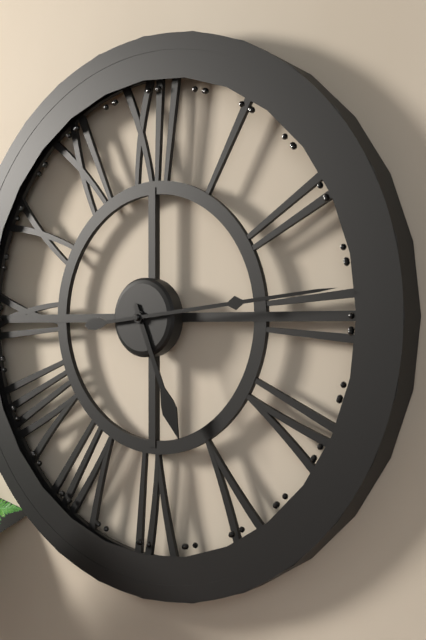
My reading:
{"hour": 5, "minute": 14}
